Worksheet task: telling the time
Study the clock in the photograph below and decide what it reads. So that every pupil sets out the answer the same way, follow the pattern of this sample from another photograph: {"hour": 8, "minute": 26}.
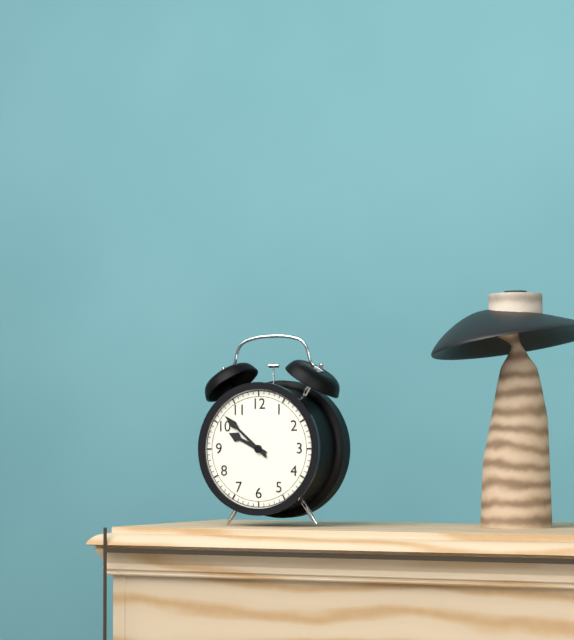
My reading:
{"hour": 9, "minute": 52}
